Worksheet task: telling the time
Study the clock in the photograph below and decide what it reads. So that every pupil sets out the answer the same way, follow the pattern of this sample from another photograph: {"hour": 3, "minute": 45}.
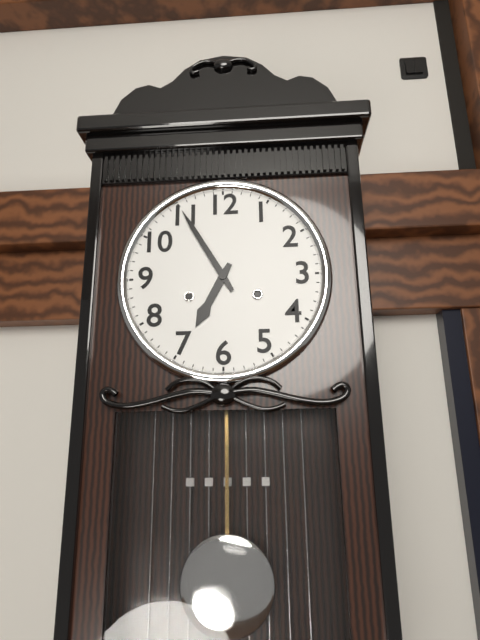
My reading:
{"hour": 6, "minute": 55}
